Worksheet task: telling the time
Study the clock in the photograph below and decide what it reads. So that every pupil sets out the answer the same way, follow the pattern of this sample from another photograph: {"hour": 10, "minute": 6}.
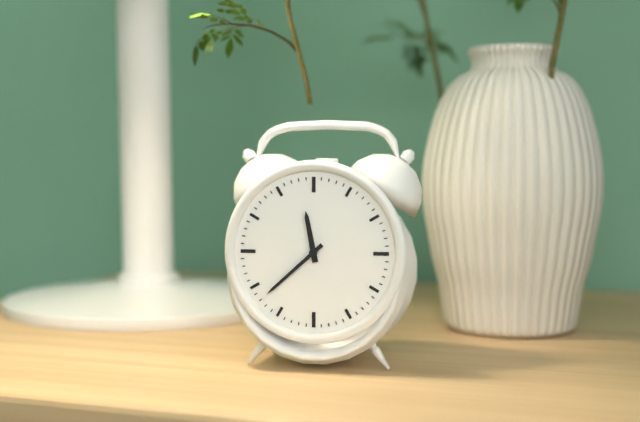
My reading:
{"hour": 11, "minute": 38}
